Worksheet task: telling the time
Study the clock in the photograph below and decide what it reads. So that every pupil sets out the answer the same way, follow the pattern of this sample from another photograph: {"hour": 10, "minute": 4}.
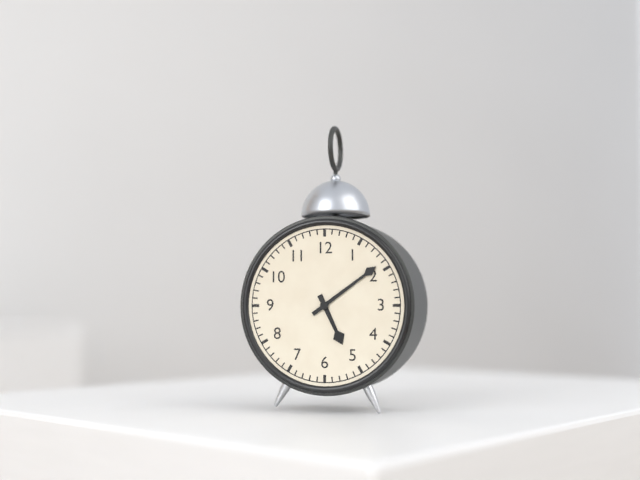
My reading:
{"hour": 5, "minute": 9}
